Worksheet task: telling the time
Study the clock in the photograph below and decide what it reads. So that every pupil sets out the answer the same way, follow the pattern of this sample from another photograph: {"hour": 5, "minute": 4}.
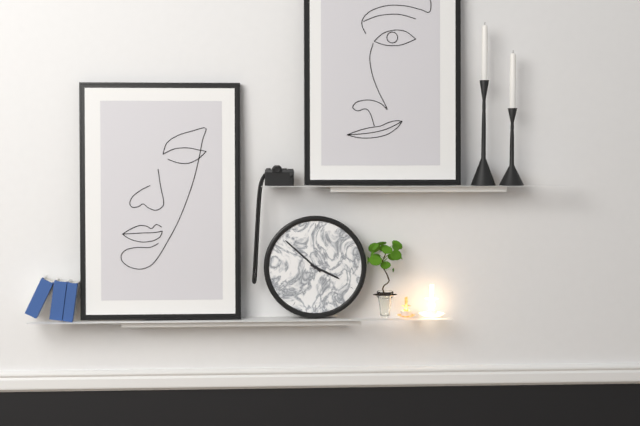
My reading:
{"hour": 3, "minute": 52}
